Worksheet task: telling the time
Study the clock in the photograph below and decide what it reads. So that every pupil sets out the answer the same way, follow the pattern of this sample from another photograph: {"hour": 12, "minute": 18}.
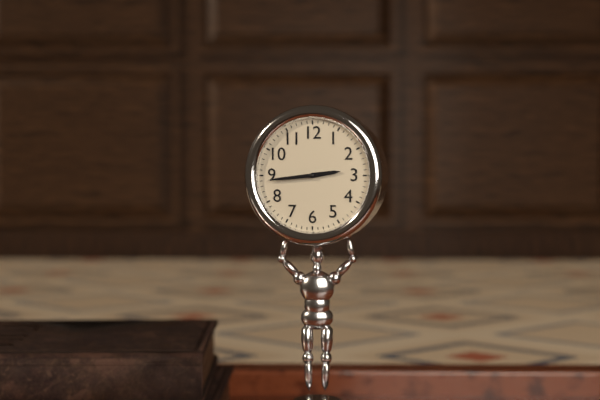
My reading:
{"hour": 2, "minute": 44}
